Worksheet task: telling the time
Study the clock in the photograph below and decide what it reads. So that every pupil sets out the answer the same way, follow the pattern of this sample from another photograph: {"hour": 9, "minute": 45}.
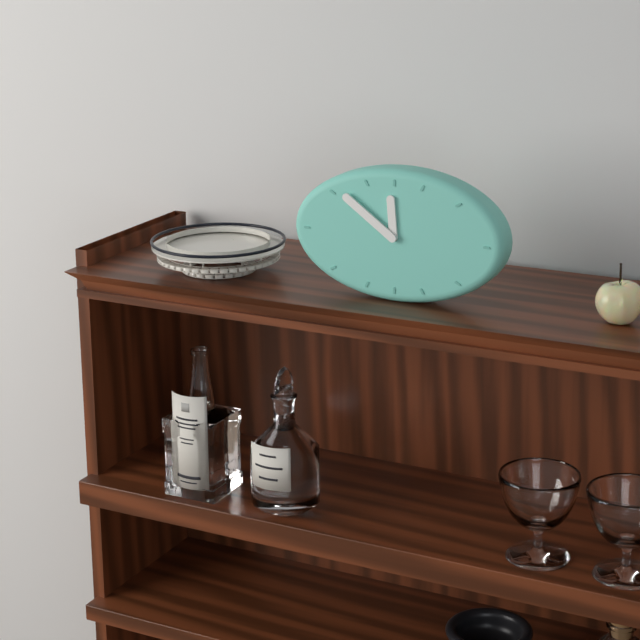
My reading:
{"hour": 11, "minute": 51}
